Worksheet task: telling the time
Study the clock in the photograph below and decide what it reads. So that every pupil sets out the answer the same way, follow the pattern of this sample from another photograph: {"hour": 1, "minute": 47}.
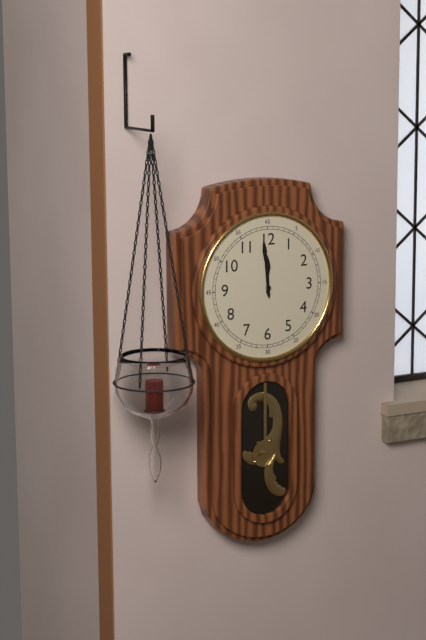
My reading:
{"hour": 11, "minute": 59}
